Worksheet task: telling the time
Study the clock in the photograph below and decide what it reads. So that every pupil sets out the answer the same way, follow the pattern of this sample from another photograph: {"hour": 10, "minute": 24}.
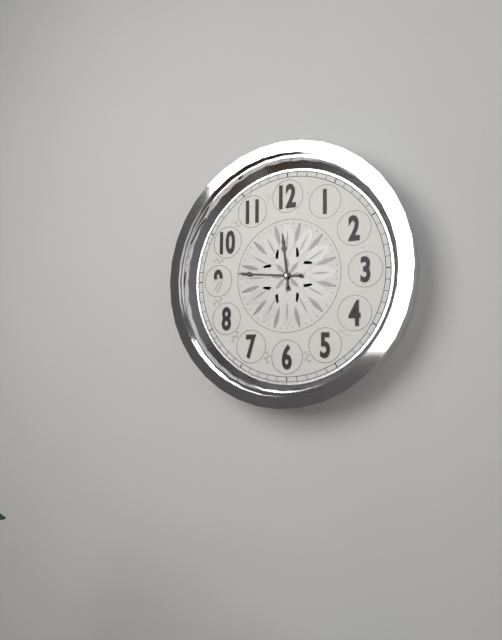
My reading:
{"hour": 11, "minute": 46}
